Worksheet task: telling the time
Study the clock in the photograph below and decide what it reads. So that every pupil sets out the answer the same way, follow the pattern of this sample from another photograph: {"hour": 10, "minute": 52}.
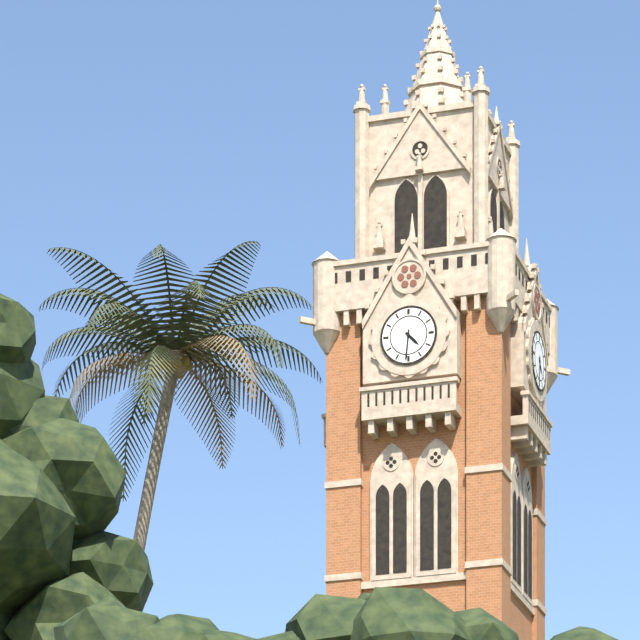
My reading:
{"hour": 4, "minute": 31}
